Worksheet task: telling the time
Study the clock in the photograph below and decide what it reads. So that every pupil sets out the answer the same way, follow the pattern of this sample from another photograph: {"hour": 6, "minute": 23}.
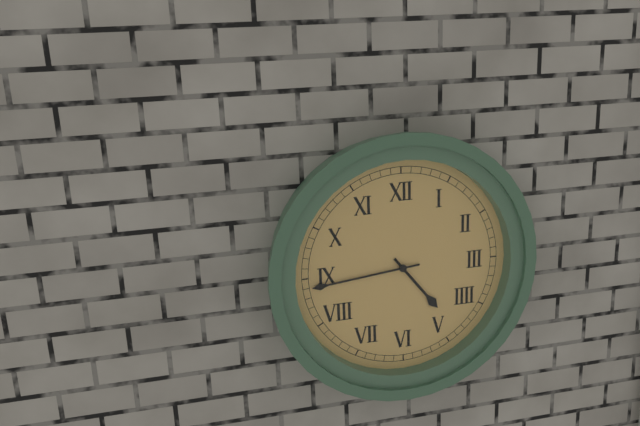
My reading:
{"hour": 4, "minute": 44}
